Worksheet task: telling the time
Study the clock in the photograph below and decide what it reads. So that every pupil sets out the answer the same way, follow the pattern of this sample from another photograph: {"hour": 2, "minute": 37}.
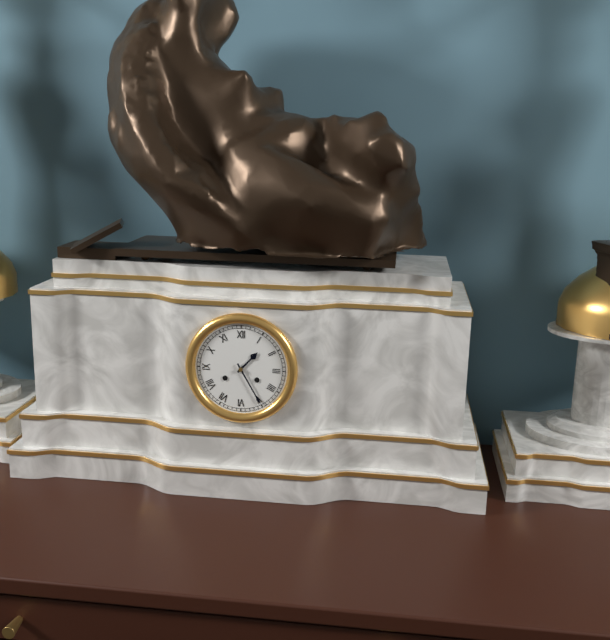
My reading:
{"hour": 1, "minute": 25}
